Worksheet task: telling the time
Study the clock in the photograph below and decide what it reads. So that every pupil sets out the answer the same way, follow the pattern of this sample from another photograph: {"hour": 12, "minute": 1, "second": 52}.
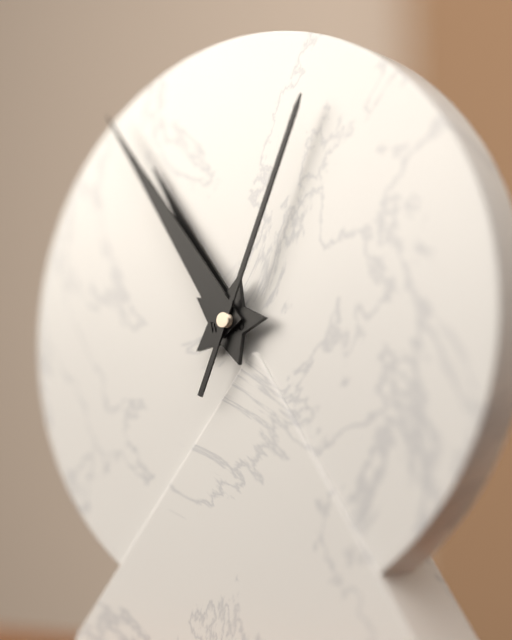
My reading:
{"hour": 10, "minute": 54, "second": 4}
